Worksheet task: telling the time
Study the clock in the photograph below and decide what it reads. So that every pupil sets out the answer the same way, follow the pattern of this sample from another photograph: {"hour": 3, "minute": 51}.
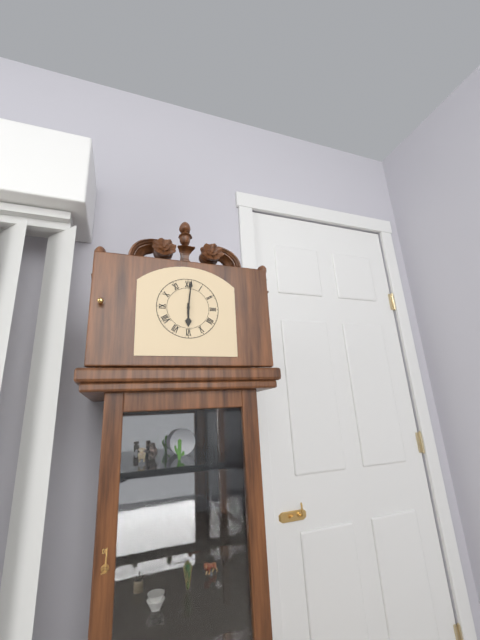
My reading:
{"hour": 6, "minute": 1}
